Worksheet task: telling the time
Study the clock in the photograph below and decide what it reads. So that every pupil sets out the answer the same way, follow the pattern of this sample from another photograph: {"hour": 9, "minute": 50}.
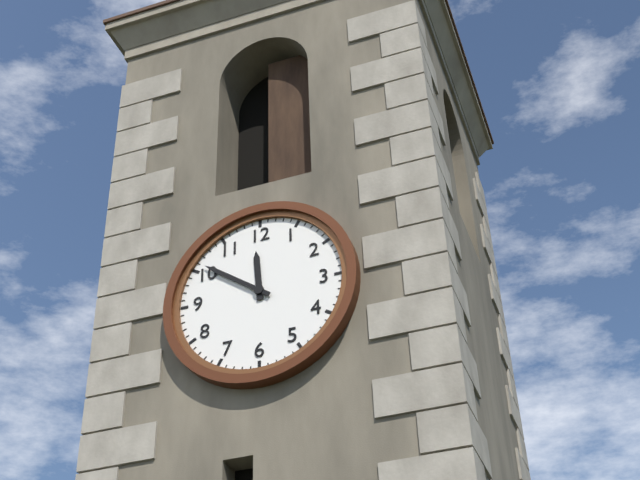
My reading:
{"hour": 11, "minute": 51}
